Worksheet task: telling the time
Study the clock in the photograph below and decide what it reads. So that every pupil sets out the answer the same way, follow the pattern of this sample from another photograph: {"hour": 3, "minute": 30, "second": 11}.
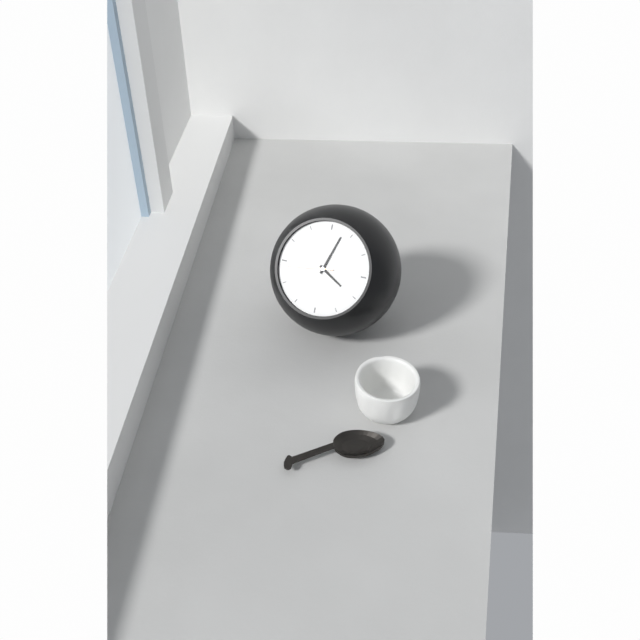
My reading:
{"hour": 4, "minute": 3, "second": 44}
